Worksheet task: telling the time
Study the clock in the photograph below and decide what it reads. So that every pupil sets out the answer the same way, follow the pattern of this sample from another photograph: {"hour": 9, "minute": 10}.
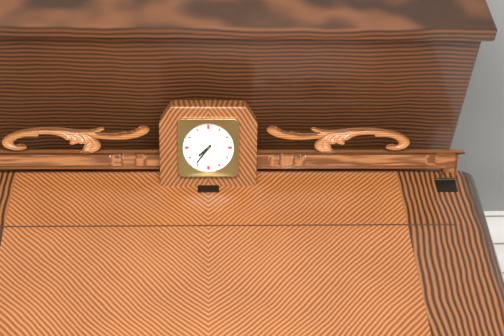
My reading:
{"hour": 7, "minute": 36}
